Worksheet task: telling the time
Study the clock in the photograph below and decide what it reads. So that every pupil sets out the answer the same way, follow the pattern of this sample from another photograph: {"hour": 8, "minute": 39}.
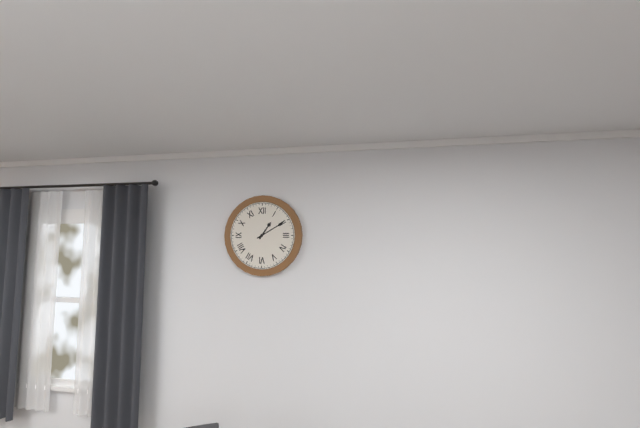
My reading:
{"hour": 1, "minute": 10}
